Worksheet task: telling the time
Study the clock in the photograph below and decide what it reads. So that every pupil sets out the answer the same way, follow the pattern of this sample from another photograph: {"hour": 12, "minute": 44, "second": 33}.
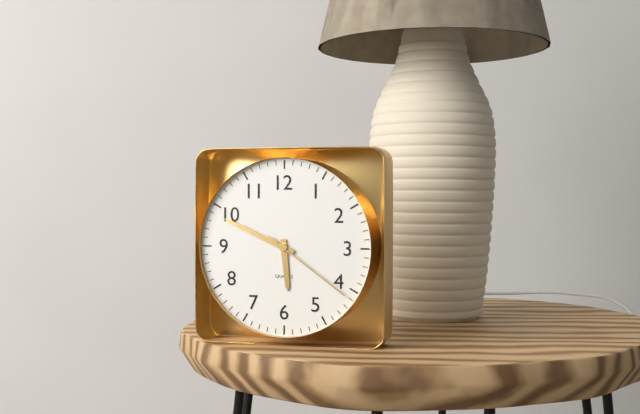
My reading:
{"hour": 5, "minute": 49, "second": 21}
